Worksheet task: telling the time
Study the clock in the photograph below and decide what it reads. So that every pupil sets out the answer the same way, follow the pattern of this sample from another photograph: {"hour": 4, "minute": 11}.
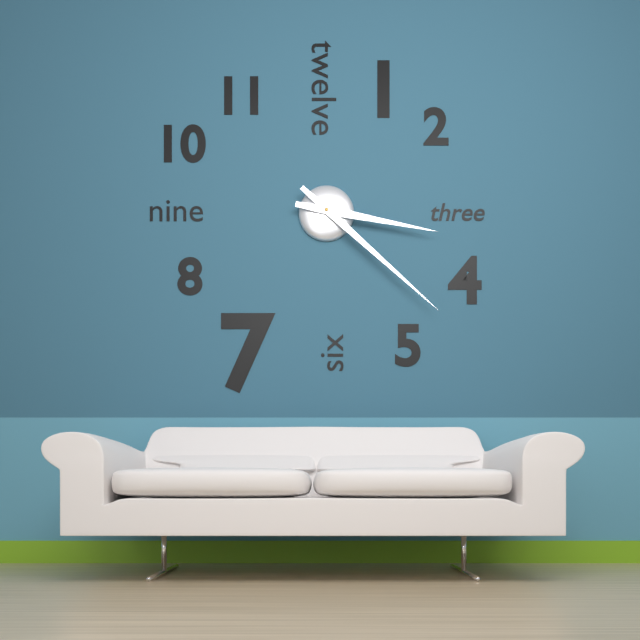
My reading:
{"hour": 3, "minute": 22}
